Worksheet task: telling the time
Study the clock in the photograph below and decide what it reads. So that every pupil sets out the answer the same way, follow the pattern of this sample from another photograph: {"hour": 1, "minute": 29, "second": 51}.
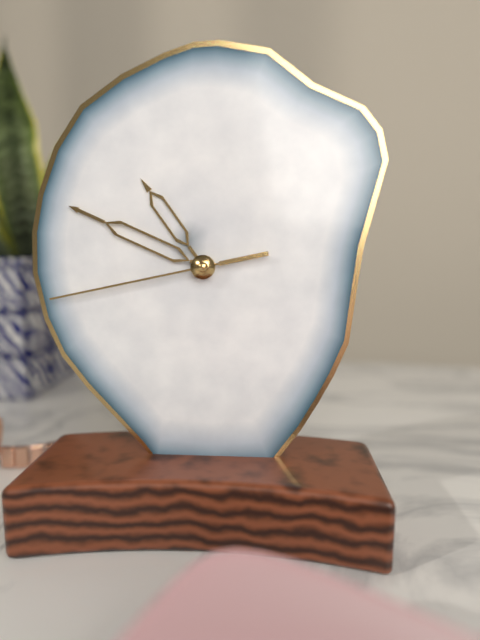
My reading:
{"hour": 10, "minute": 49, "second": 43}
